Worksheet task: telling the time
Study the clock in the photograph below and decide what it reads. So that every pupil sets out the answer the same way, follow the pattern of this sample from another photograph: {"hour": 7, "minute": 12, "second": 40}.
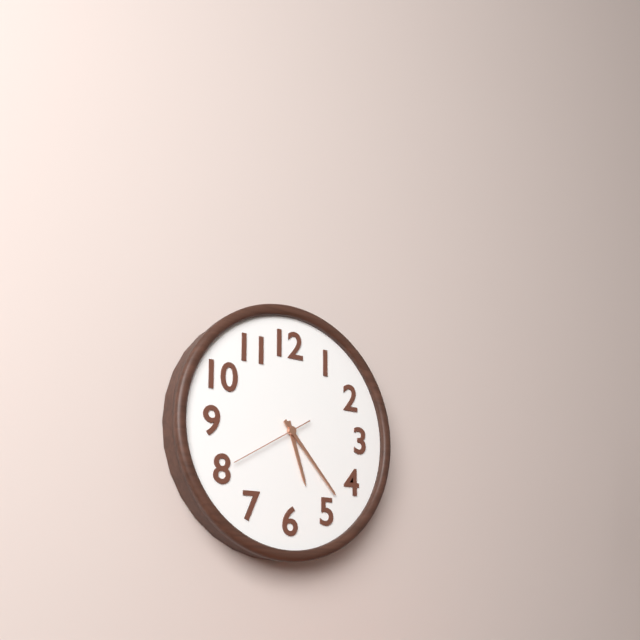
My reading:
{"hour": 5, "minute": 23, "second": 40}
